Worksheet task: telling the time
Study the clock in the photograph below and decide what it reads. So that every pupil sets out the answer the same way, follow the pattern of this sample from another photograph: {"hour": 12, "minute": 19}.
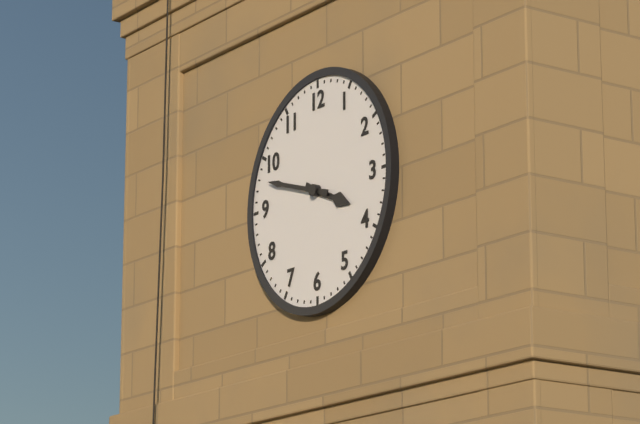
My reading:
{"hour": 3, "minute": 48}
